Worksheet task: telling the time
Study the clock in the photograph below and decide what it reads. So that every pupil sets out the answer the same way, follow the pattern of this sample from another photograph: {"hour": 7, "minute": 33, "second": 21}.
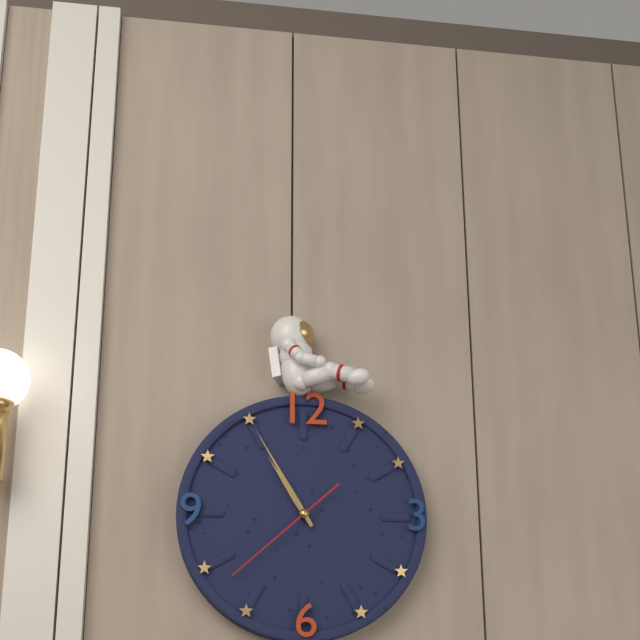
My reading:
{"hour": 10, "minute": 55, "second": 38}
